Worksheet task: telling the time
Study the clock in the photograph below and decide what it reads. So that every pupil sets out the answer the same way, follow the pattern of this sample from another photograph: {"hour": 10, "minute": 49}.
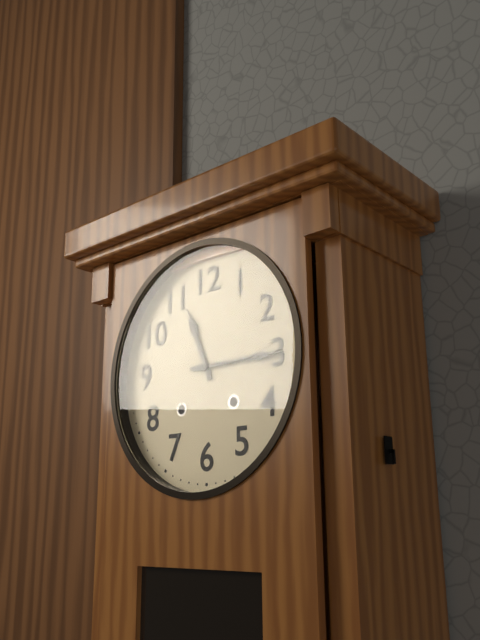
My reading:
{"hour": 11, "minute": 15}
